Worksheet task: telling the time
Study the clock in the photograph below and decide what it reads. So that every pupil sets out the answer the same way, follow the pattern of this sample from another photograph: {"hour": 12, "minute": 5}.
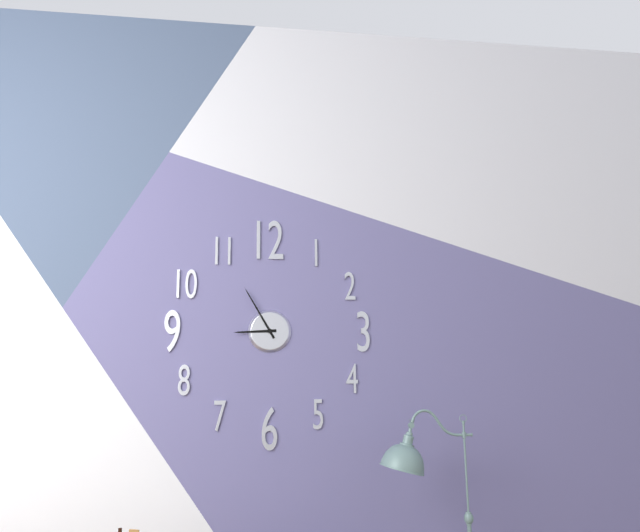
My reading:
{"hour": 8, "minute": 55}
